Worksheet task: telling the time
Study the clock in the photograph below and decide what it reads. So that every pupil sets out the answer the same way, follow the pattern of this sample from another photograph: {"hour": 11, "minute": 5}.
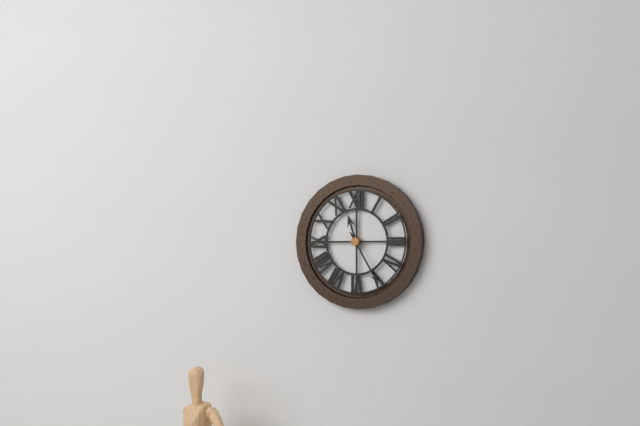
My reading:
{"hour": 11, "minute": 25}
